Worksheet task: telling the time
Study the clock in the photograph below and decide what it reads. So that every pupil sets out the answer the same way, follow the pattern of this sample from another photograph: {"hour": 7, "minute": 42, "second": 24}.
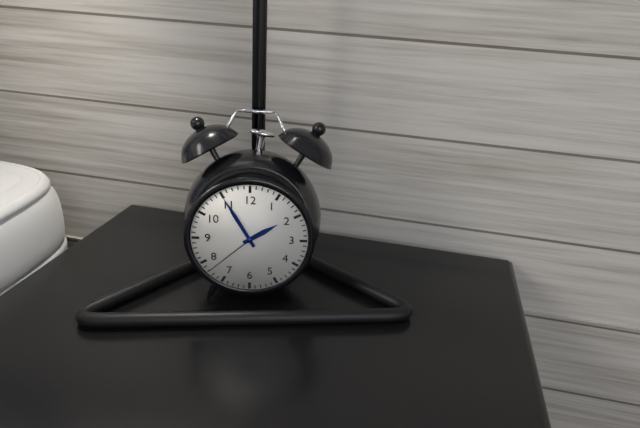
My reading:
{"hour": 1, "minute": 55, "second": 38}
